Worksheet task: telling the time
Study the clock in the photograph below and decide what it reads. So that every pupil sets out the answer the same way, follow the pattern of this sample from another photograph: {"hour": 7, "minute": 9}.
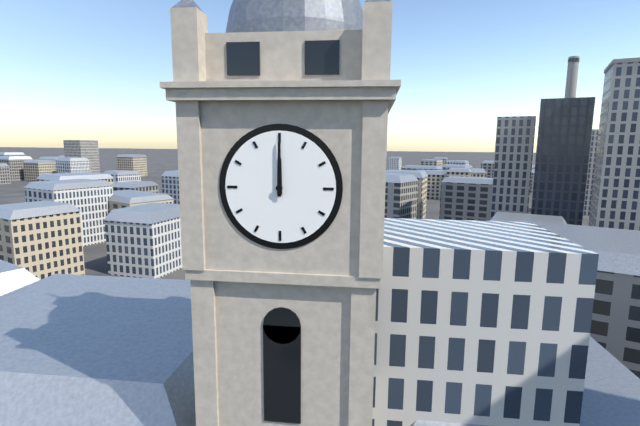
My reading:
{"hour": 12, "minute": 0}
